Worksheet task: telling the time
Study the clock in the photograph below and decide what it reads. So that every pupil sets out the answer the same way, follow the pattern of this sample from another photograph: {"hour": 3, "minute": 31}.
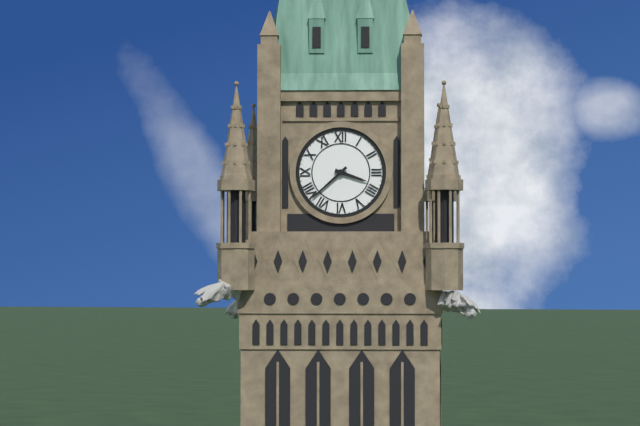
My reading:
{"hour": 3, "minute": 38}
